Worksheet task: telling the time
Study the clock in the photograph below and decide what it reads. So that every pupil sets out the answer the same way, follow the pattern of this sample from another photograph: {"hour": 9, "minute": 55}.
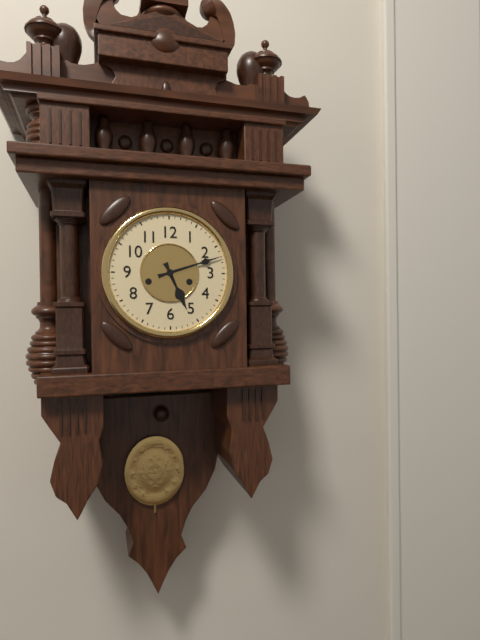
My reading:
{"hour": 5, "minute": 12}
